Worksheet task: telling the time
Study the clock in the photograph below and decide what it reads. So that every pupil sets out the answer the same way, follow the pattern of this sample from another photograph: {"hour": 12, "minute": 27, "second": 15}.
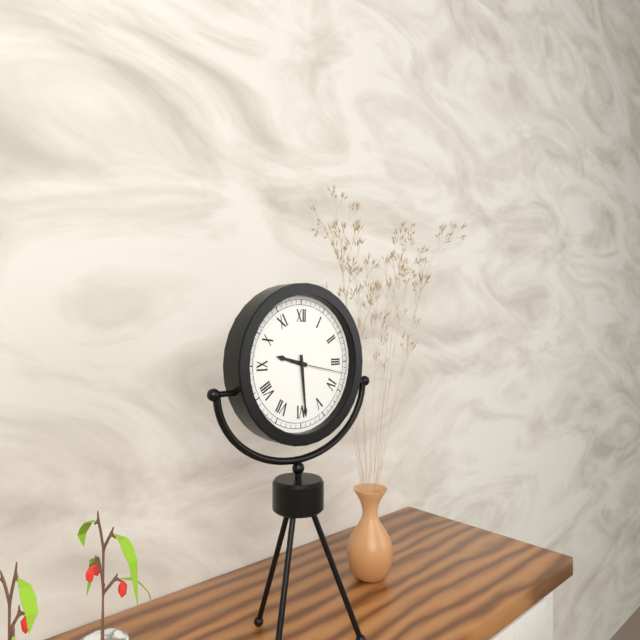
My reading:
{"hour": 9, "minute": 29, "second": 17}
